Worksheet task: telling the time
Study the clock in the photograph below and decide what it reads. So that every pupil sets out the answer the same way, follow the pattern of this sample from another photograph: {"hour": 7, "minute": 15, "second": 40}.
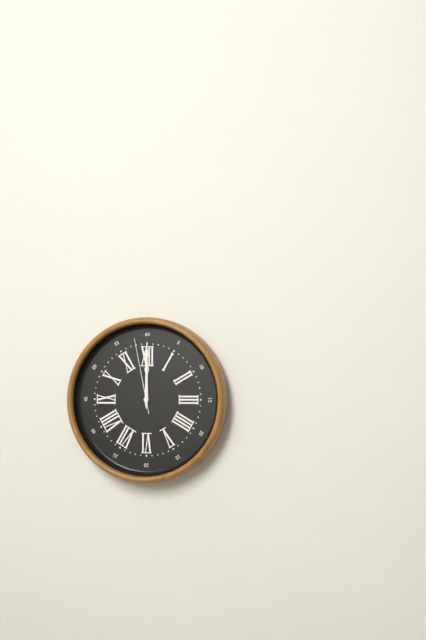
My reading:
{"hour": 12, "minute": 0, "second": 58}
